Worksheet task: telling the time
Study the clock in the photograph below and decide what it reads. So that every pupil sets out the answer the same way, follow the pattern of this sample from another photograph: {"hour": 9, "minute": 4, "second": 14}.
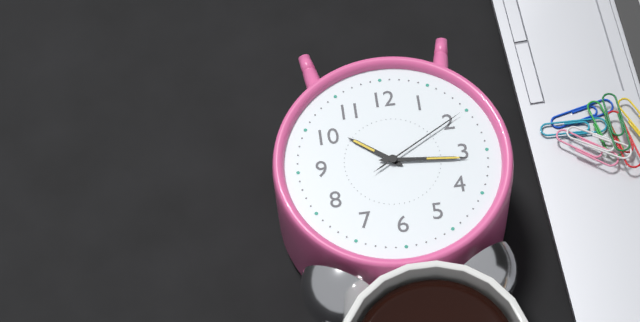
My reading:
{"hour": 10, "minute": 16, "second": 10}
